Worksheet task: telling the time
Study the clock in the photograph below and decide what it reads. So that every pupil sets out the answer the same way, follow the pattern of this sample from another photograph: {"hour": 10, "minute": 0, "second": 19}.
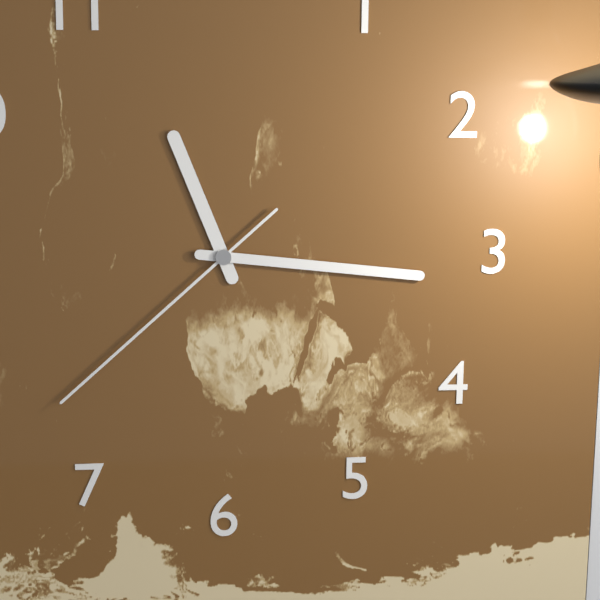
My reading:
{"hour": 11, "minute": 16, "second": 38}
